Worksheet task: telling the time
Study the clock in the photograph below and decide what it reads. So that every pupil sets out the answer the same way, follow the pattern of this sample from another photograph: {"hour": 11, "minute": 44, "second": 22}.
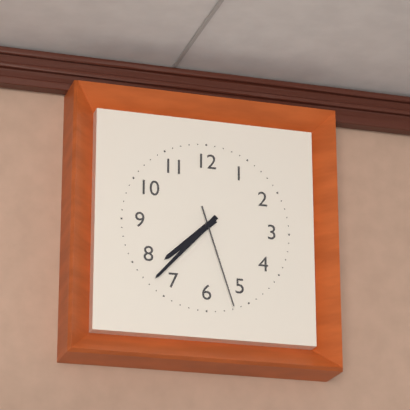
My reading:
{"hour": 7, "minute": 37, "second": 27}
